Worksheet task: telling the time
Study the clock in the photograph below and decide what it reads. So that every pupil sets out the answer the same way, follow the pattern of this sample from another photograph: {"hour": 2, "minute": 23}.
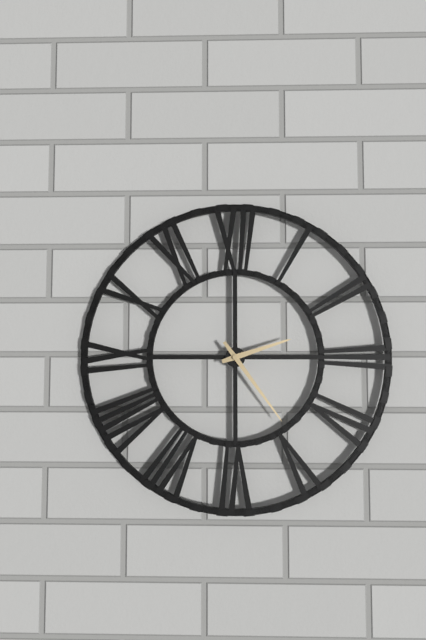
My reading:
{"hour": 2, "minute": 24}
